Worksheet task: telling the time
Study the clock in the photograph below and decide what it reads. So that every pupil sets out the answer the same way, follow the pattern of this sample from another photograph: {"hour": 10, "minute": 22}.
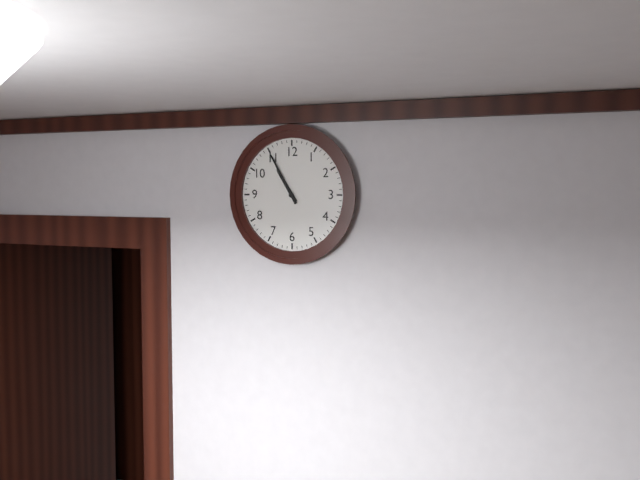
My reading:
{"hour": 10, "minute": 55}
